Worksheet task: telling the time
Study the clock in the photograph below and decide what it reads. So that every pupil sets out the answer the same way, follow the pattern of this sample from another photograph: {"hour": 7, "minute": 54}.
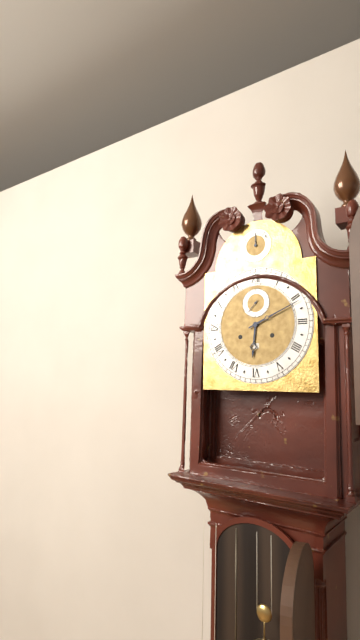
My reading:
{"hour": 6, "minute": 11}
